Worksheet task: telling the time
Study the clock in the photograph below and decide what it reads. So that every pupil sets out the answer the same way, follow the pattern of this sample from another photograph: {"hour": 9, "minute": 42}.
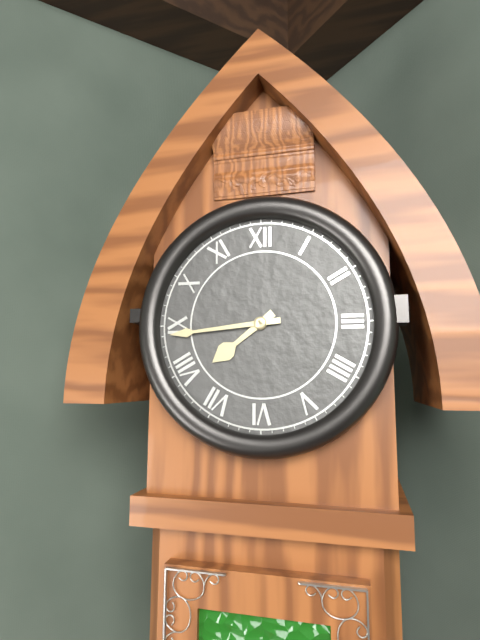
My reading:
{"hour": 7, "minute": 44}
